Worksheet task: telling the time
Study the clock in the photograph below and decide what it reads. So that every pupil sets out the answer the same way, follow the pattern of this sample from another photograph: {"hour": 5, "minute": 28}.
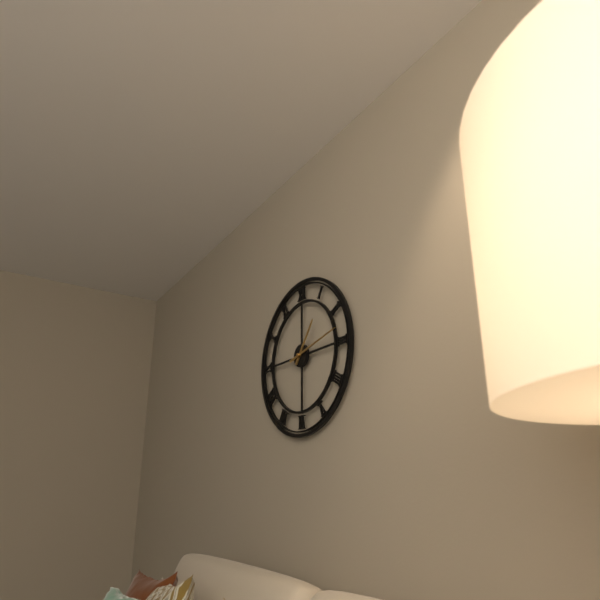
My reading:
{"hour": 1, "minute": 13}
